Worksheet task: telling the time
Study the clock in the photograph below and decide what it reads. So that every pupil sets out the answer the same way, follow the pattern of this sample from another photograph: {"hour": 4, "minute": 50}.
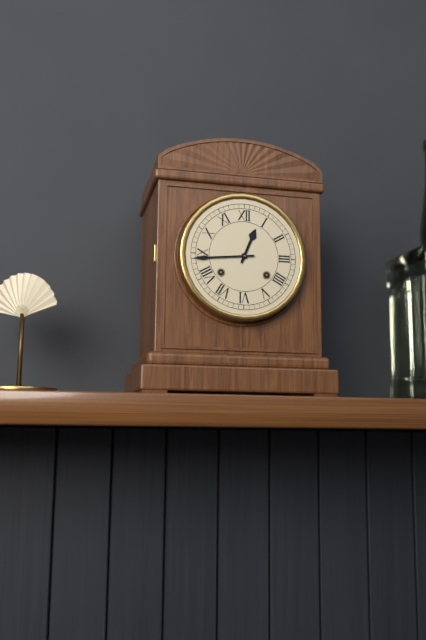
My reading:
{"hour": 12, "minute": 44}
